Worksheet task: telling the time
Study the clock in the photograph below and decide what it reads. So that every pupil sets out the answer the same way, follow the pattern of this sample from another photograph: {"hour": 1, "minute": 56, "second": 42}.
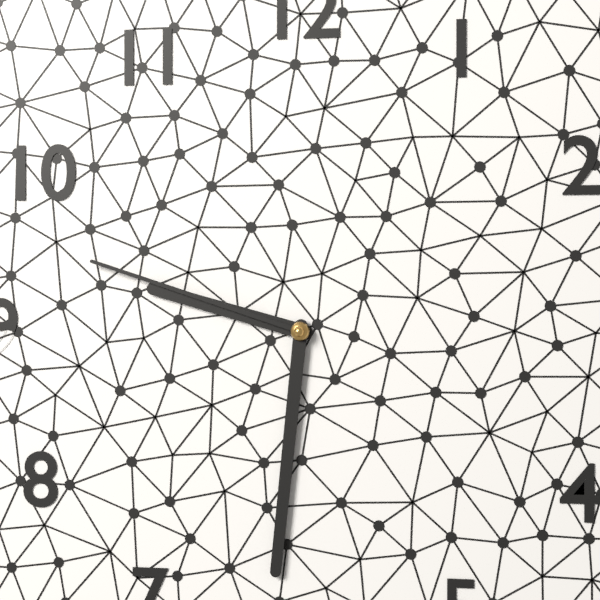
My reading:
{"hour": 9, "minute": 31, "second": 48}
